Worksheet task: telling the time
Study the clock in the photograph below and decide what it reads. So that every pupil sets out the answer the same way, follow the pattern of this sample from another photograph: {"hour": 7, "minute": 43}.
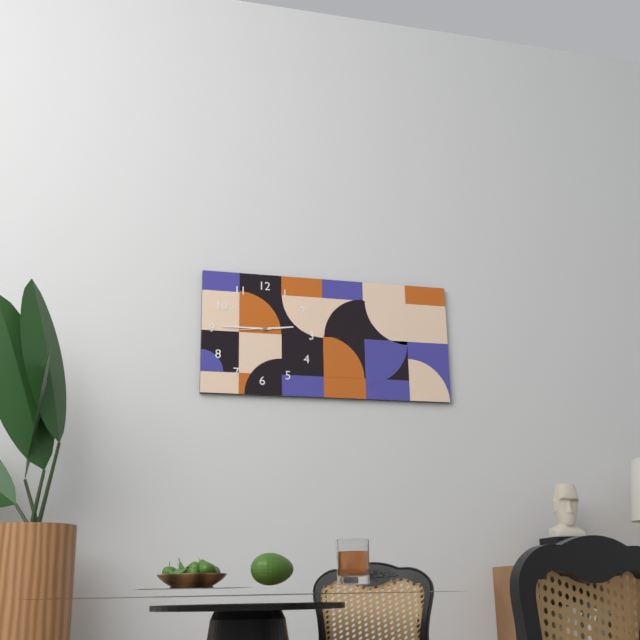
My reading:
{"hour": 2, "minute": 45}
